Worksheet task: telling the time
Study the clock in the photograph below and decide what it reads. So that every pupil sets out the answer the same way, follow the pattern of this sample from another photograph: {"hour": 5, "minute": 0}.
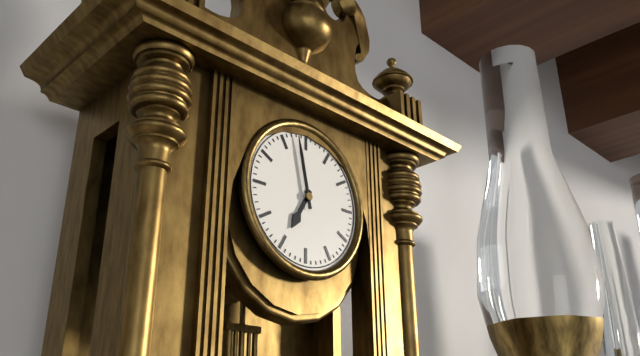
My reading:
{"hour": 6, "minute": 58}
